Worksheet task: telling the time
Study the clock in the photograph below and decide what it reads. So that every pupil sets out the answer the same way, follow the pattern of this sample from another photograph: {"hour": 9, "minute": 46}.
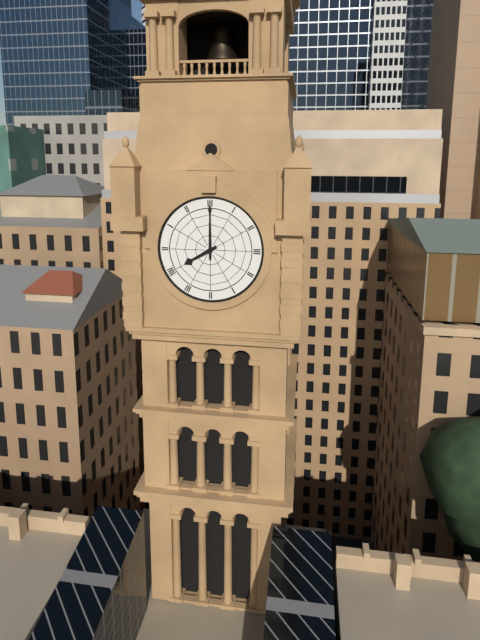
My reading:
{"hour": 8, "minute": 0}
